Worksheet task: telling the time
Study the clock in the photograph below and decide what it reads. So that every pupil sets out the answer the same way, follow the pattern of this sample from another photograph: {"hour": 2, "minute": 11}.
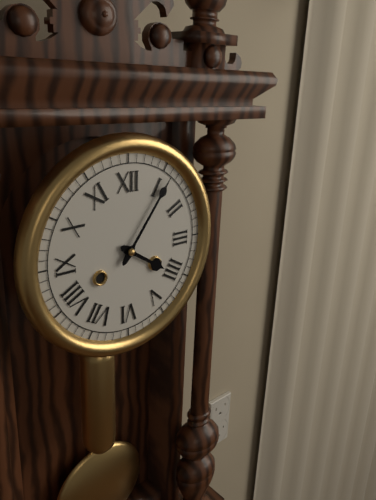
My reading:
{"hour": 4, "minute": 6}
